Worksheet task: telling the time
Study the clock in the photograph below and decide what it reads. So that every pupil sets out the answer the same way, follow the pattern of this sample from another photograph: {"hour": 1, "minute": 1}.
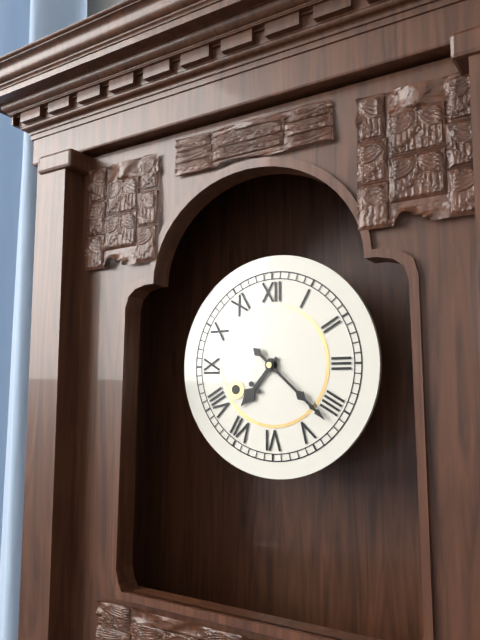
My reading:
{"hour": 7, "minute": 22}
